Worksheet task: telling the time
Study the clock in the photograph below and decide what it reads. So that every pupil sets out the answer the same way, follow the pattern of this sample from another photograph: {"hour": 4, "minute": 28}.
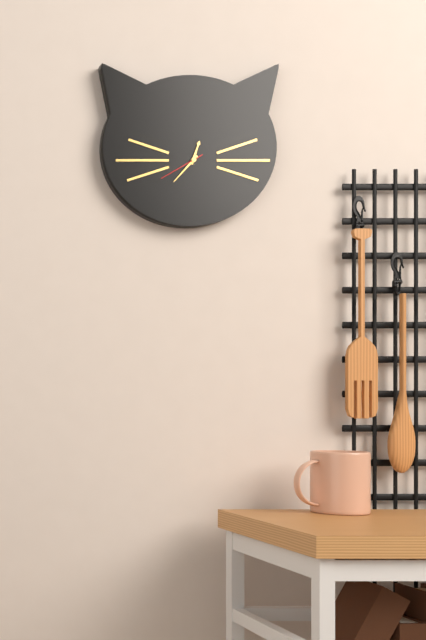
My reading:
{"hour": 12, "minute": 37}
